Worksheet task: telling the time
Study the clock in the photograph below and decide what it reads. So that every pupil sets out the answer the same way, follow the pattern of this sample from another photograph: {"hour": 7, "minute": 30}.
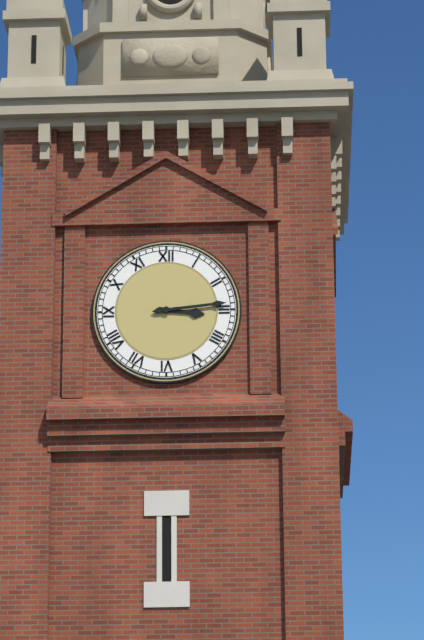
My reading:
{"hour": 3, "minute": 14}
